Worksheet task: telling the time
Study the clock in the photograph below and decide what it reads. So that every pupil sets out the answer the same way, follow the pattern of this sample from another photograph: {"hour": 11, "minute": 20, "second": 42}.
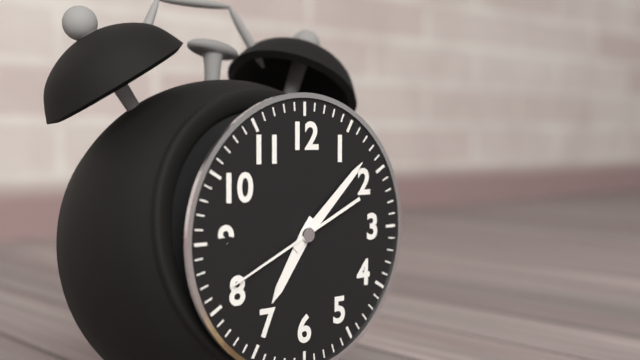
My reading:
{"hour": 7, "minute": 8, "second": 41}
